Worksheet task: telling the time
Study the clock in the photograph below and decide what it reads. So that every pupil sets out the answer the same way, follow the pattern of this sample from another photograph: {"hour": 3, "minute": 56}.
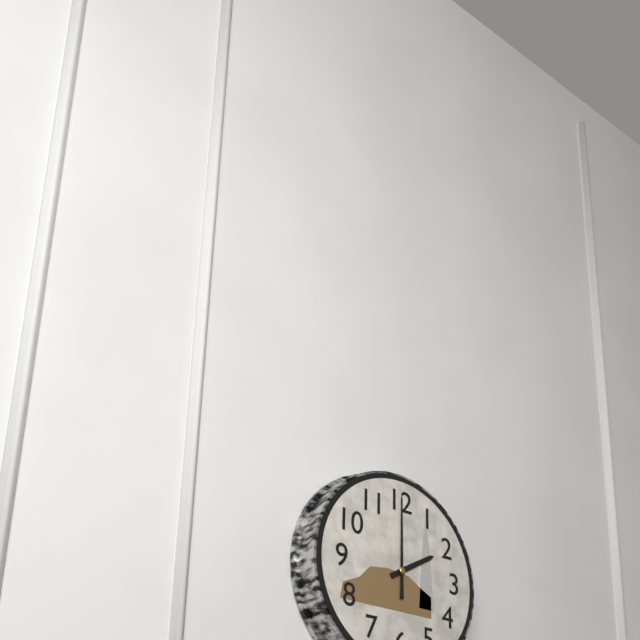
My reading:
{"hour": 2, "minute": 0}
